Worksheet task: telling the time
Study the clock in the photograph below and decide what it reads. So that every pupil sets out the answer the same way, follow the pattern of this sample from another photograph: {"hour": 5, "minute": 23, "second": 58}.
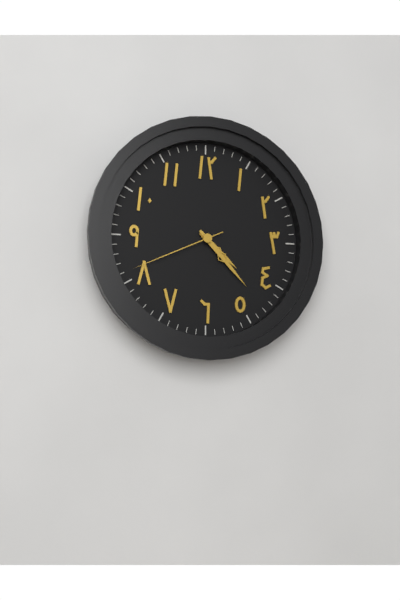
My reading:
{"hour": 4, "minute": 23, "second": 41}
